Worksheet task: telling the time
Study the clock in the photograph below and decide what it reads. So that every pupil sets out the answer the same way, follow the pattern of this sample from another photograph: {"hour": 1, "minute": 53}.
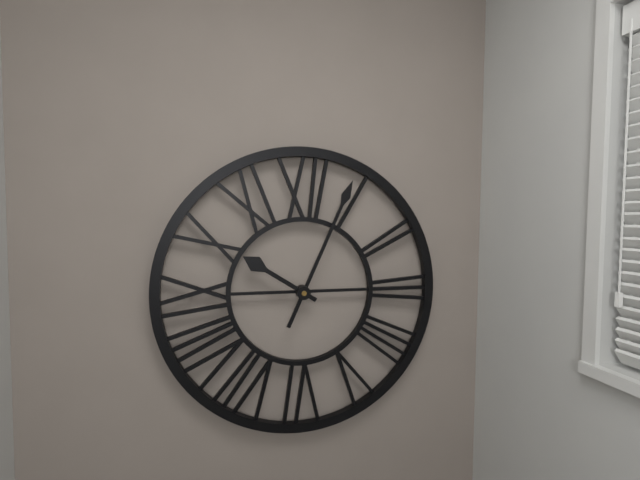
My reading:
{"hour": 10, "minute": 4}
